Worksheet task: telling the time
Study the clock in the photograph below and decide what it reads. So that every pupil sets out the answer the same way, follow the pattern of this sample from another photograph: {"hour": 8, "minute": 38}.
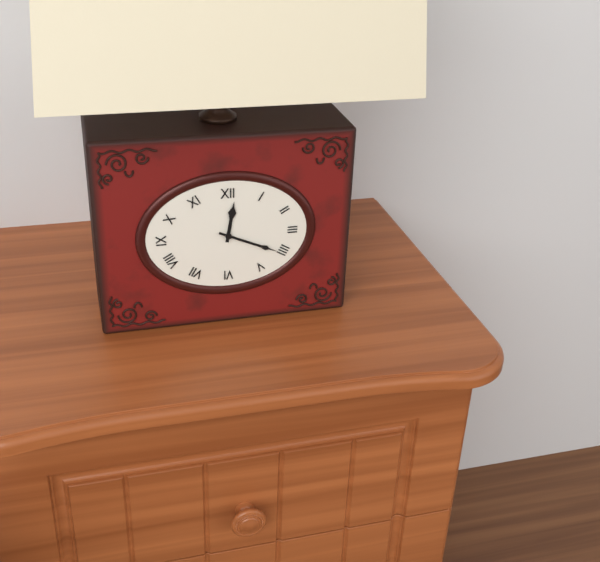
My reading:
{"hour": 12, "minute": 19}
